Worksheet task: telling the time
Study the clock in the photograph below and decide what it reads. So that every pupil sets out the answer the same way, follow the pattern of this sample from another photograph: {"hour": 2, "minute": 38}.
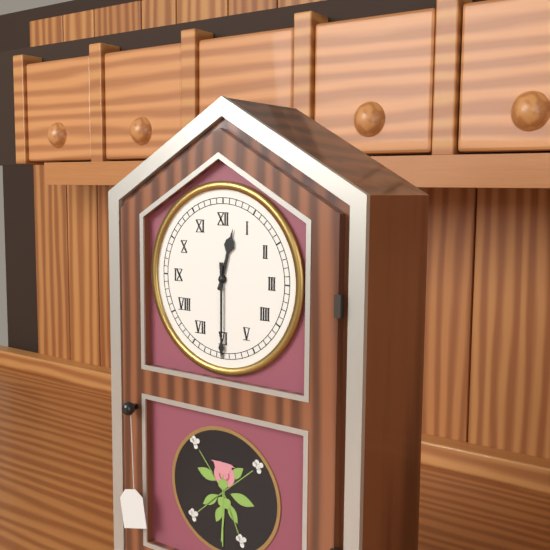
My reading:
{"hour": 12, "minute": 30}
